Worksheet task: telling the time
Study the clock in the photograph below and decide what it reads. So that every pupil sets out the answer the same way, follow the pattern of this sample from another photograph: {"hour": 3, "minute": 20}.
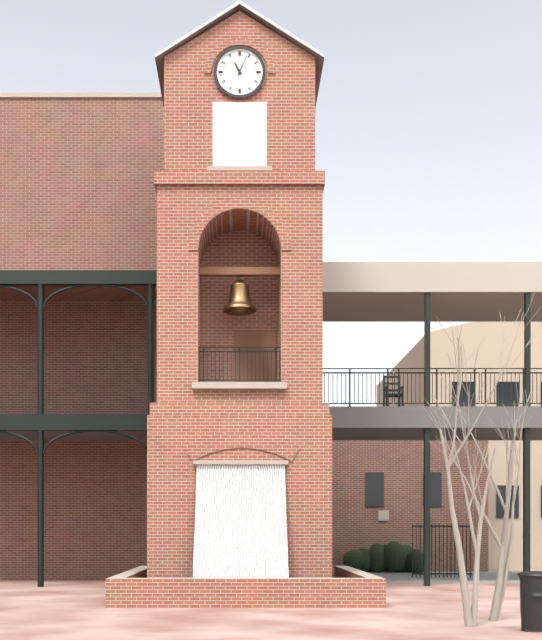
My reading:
{"hour": 11, "minute": 4}
